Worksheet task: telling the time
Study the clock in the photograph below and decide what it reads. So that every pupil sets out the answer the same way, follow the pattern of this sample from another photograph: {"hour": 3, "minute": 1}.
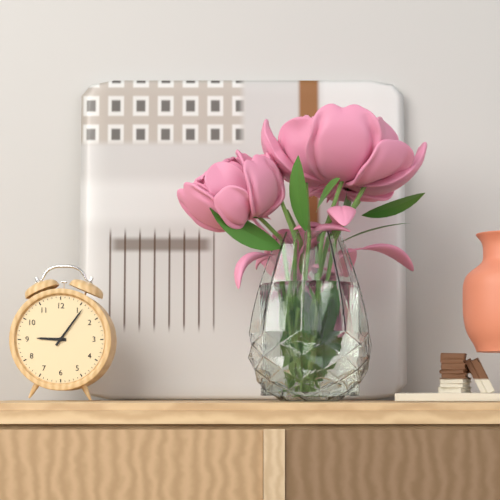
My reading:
{"hour": 9, "minute": 6}
